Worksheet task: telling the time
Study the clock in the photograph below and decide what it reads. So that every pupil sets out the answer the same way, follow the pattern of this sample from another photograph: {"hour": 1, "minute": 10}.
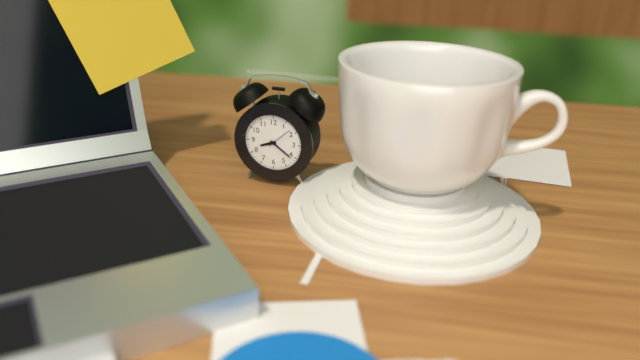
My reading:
{"hour": 8, "minute": 21}
